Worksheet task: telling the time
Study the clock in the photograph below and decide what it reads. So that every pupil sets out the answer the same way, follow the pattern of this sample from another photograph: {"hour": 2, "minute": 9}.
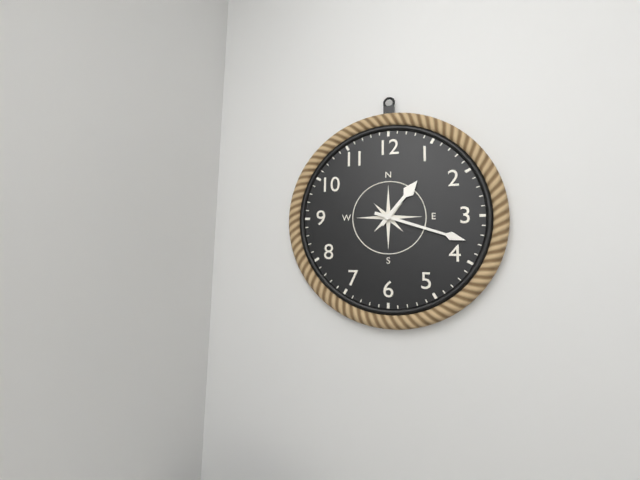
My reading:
{"hour": 1, "minute": 18}
